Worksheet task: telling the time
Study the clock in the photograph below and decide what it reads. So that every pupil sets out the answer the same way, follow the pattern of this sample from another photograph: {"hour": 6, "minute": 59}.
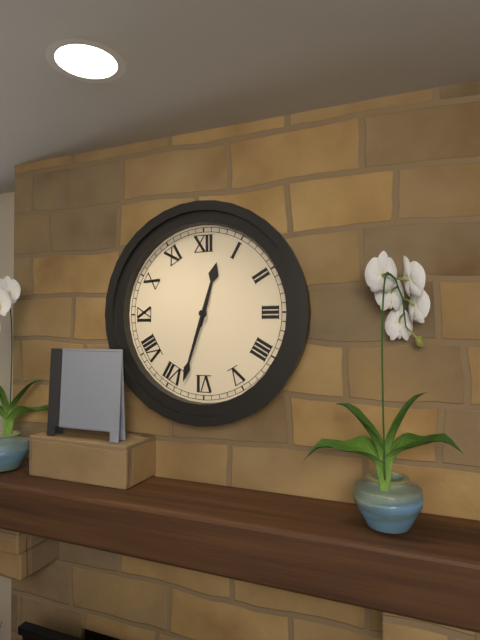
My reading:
{"hour": 12, "minute": 33}
